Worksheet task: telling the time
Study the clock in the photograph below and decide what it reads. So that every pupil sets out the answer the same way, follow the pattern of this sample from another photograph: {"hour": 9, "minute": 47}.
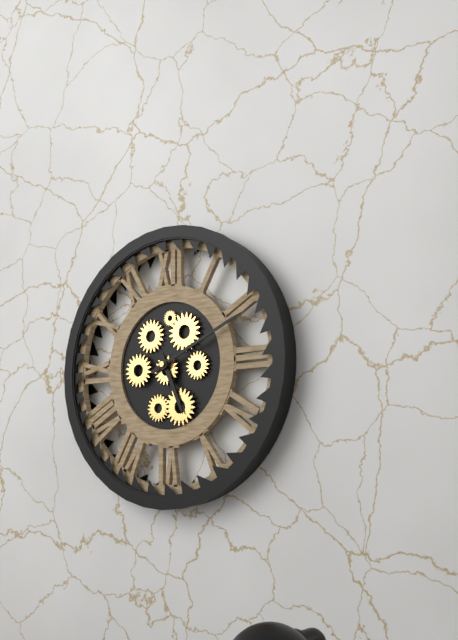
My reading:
{"hour": 5, "minute": 11}
